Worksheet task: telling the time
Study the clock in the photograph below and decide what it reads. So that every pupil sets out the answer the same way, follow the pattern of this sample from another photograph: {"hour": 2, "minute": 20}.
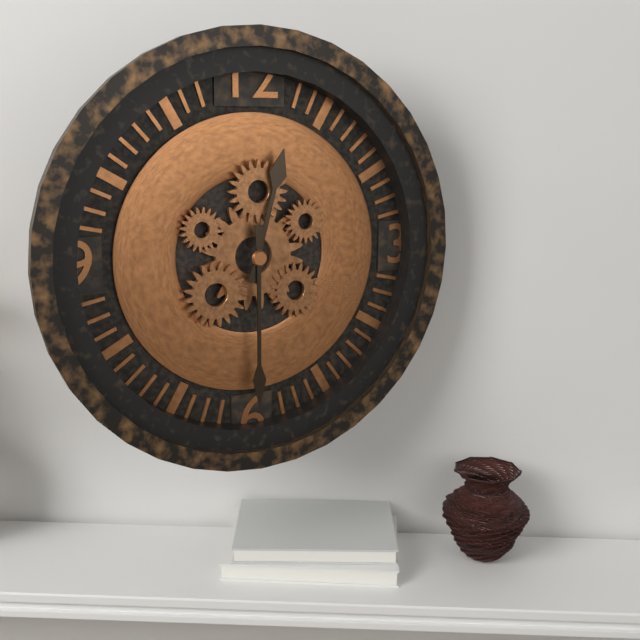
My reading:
{"hour": 12, "minute": 30}
